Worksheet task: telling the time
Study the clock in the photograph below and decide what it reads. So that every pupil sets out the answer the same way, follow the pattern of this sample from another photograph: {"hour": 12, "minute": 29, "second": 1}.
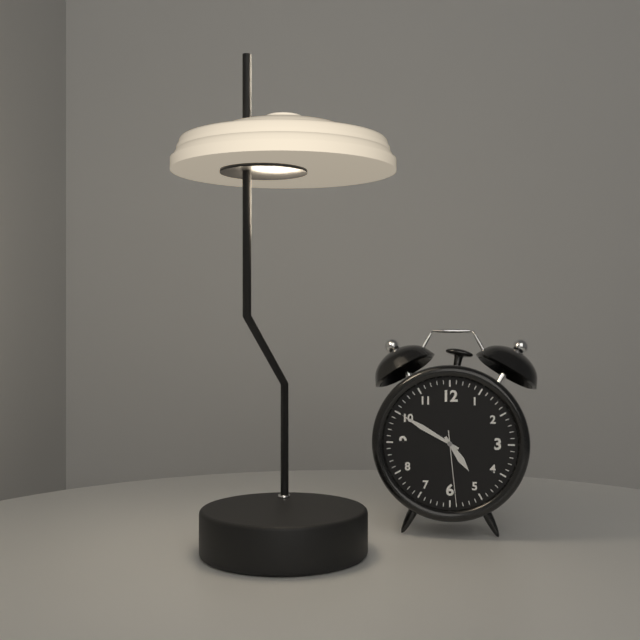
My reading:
{"hour": 4, "minute": 50, "second": 29}
